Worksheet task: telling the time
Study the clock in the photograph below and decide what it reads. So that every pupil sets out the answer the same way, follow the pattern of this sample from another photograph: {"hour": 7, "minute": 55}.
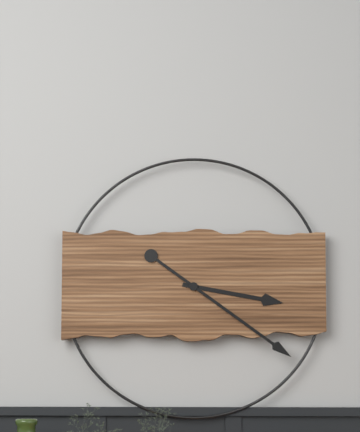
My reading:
{"hour": 3, "minute": 21}
